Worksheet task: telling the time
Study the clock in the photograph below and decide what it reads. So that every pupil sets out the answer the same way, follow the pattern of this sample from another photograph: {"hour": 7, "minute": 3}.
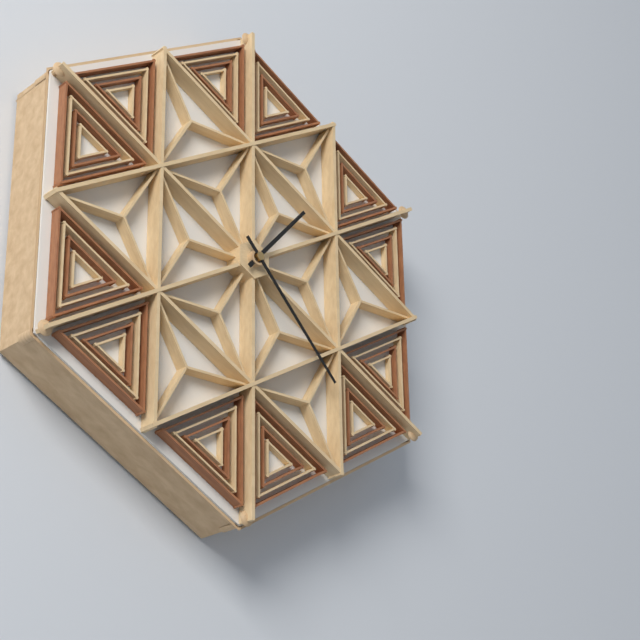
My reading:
{"hour": 1, "minute": 23}
